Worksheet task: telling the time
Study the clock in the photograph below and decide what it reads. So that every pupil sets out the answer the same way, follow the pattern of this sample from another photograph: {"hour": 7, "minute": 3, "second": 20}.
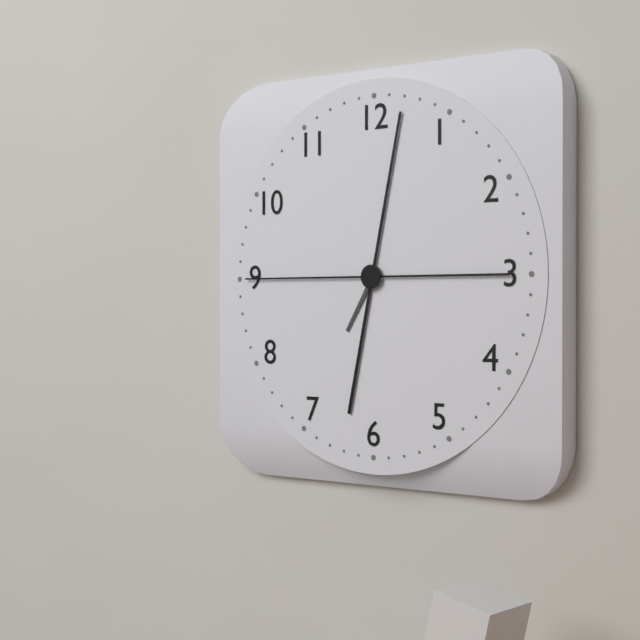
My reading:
{"hour": 7, "minute": 2, "second": 45}
